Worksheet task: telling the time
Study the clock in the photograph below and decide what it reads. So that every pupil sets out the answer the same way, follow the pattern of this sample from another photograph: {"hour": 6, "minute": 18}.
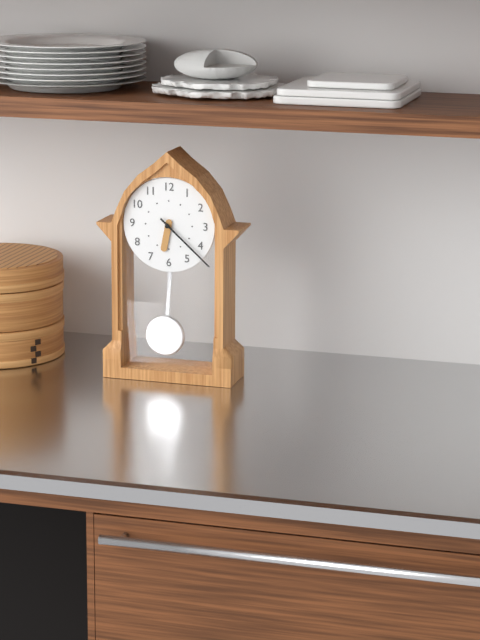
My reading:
{"hour": 6, "minute": 22}
